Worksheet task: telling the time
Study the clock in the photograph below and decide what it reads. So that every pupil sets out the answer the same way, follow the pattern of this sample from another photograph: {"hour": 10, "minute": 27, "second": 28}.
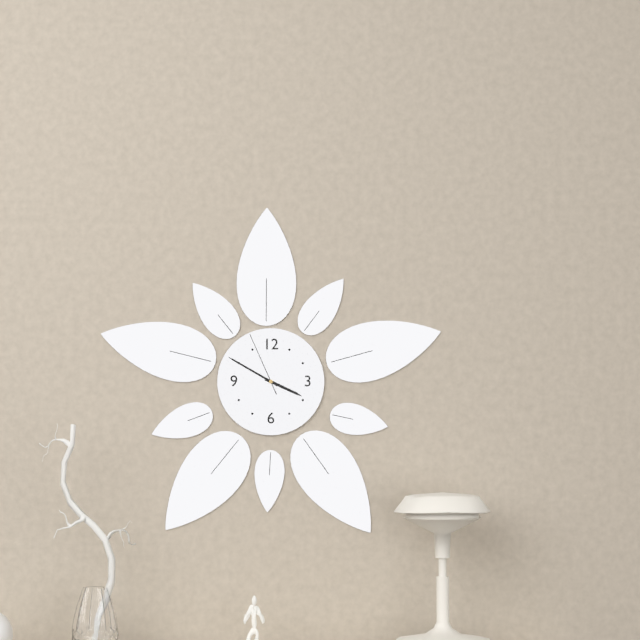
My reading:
{"hour": 3, "minute": 50, "second": 56}
